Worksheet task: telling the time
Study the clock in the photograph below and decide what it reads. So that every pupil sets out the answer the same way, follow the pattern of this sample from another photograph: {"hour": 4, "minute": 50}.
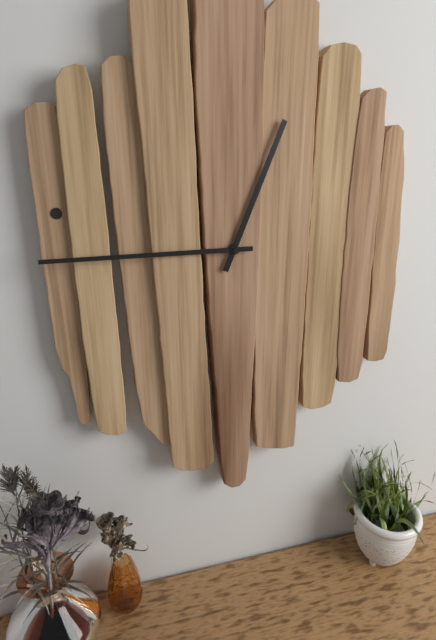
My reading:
{"hour": 12, "minute": 45}
